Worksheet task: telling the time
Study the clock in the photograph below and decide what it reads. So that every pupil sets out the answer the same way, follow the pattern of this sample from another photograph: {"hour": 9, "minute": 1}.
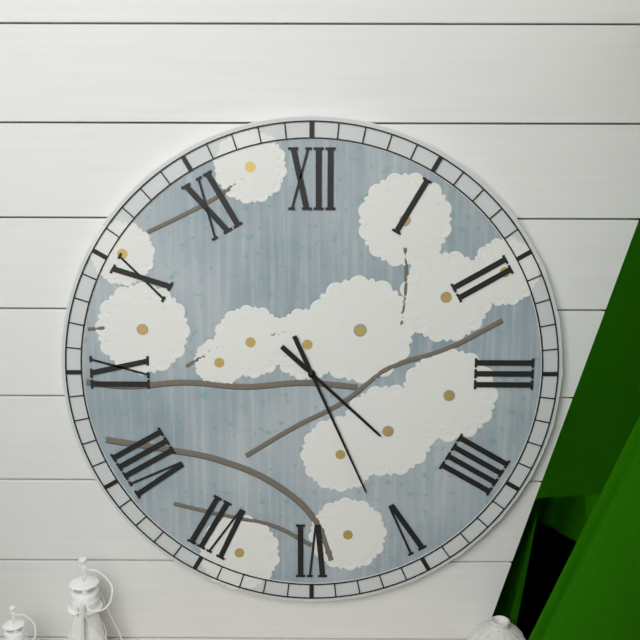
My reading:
{"hour": 4, "minute": 26}
